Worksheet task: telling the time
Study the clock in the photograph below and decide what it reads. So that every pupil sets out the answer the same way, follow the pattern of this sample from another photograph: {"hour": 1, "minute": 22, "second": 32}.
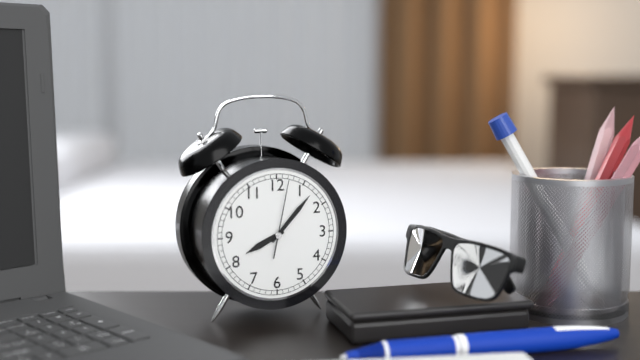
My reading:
{"hour": 8, "minute": 7, "second": 2}
